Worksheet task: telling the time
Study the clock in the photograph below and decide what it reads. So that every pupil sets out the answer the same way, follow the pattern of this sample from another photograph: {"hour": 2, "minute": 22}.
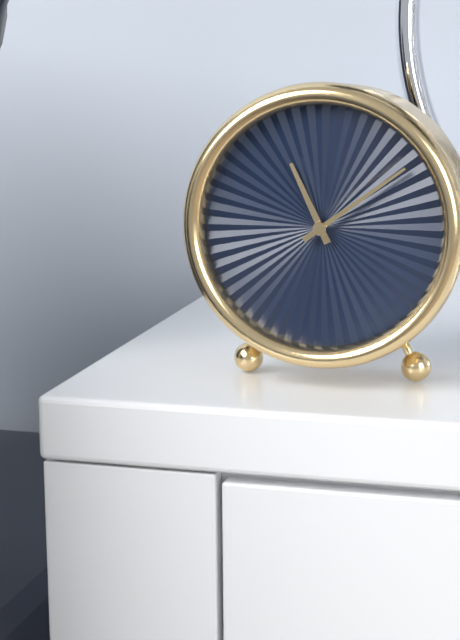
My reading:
{"hour": 11, "minute": 9}
